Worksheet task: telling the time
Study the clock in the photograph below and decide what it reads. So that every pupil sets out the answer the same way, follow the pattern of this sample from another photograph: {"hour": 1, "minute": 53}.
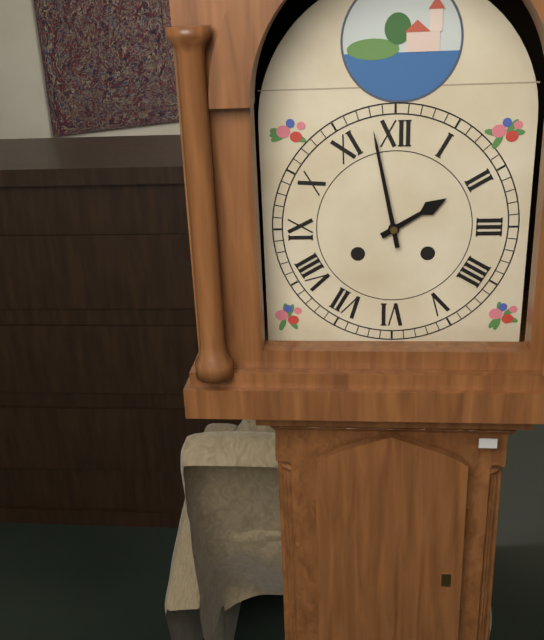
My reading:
{"hour": 1, "minute": 58}
